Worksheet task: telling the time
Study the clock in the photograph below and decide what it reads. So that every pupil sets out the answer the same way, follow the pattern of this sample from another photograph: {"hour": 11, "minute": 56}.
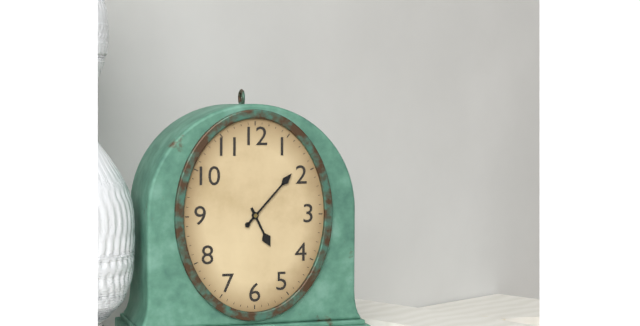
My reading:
{"hour": 5, "minute": 7}
